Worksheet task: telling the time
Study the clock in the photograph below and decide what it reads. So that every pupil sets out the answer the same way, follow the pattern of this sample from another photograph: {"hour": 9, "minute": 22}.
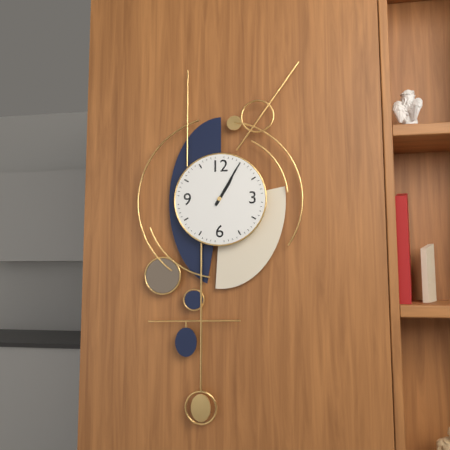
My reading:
{"hour": 1, "minute": 5}
